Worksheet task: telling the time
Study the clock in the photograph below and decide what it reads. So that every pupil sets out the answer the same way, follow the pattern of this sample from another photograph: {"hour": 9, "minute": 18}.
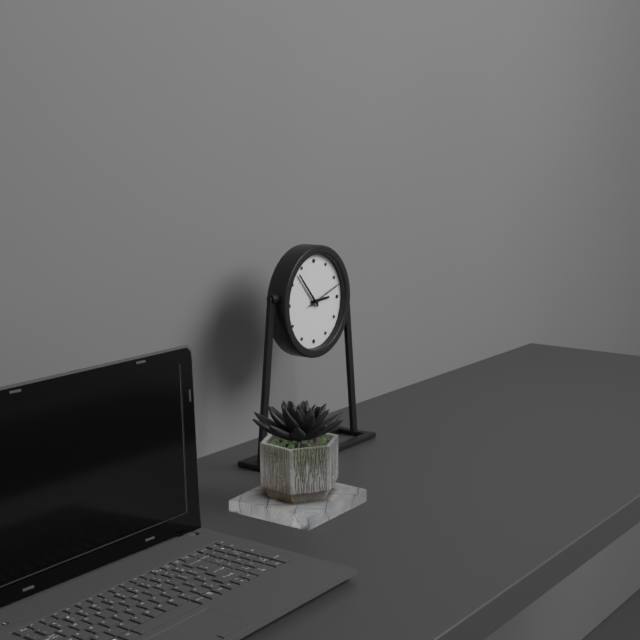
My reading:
{"hour": 2, "minute": 53}
